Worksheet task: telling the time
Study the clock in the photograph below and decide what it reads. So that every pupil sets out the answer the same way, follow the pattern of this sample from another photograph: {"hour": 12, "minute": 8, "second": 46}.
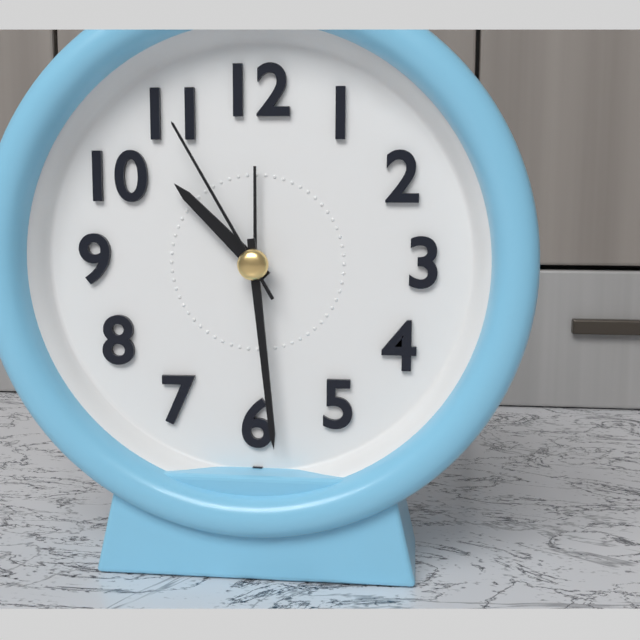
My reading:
{"hour": 10, "minute": 29, "second": 55}
